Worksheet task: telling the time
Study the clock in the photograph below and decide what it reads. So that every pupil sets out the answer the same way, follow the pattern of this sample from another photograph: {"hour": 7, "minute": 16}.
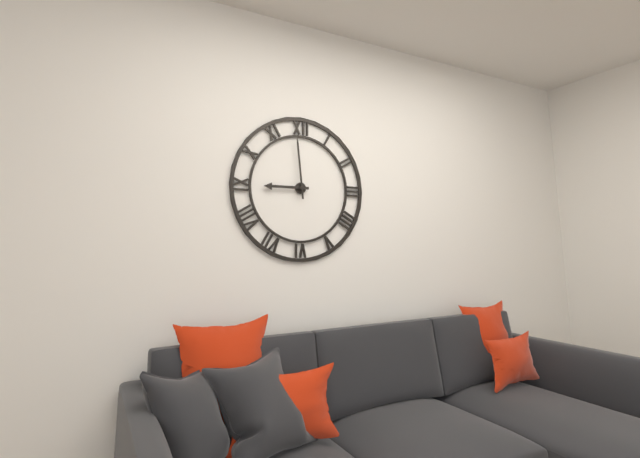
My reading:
{"hour": 8, "minute": 59}
